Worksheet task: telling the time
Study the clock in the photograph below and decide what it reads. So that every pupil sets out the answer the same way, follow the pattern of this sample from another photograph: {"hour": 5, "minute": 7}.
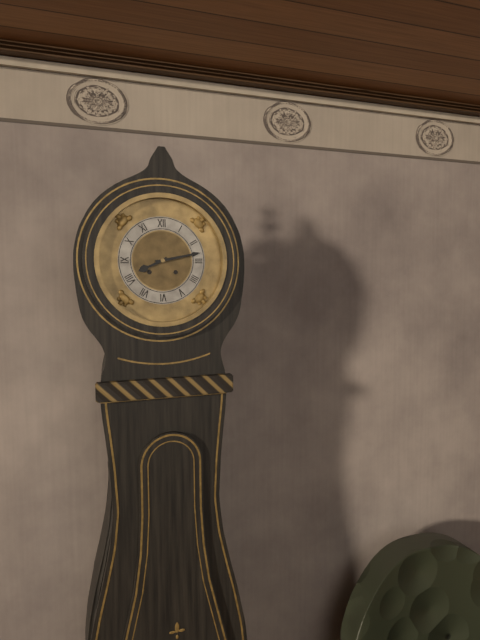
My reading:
{"hour": 8, "minute": 13}
